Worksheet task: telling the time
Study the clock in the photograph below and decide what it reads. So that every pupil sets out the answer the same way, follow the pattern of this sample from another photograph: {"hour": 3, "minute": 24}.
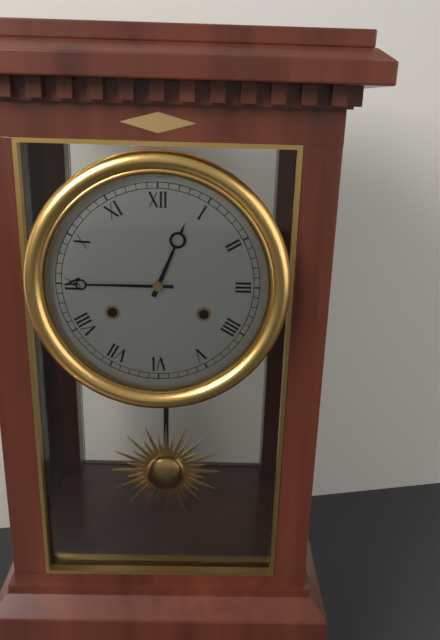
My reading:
{"hour": 12, "minute": 45}
